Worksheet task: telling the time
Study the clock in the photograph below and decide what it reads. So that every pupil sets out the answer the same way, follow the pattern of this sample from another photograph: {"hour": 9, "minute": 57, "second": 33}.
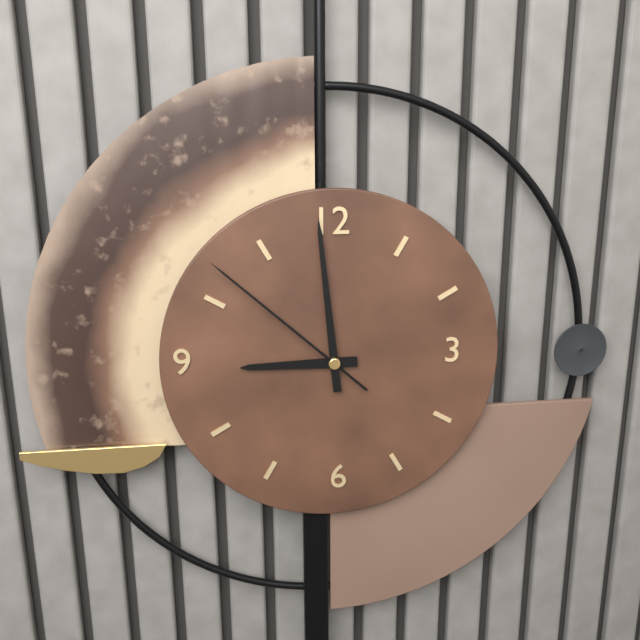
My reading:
{"hour": 8, "minute": 59, "second": 52}
